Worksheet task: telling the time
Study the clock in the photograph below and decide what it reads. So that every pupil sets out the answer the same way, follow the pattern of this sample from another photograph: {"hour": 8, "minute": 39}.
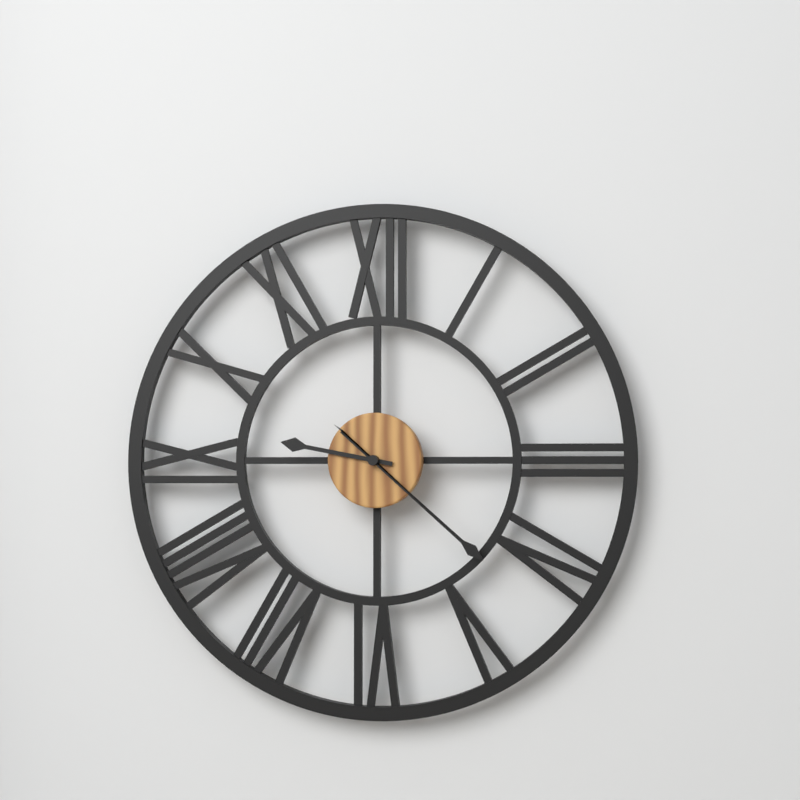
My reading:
{"hour": 9, "minute": 22}
